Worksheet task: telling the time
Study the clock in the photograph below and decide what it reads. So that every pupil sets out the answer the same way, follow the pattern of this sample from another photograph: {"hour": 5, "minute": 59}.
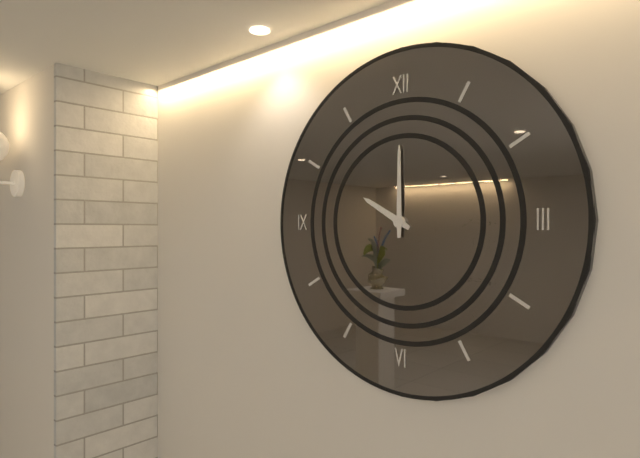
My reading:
{"hour": 10, "minute": 0}
